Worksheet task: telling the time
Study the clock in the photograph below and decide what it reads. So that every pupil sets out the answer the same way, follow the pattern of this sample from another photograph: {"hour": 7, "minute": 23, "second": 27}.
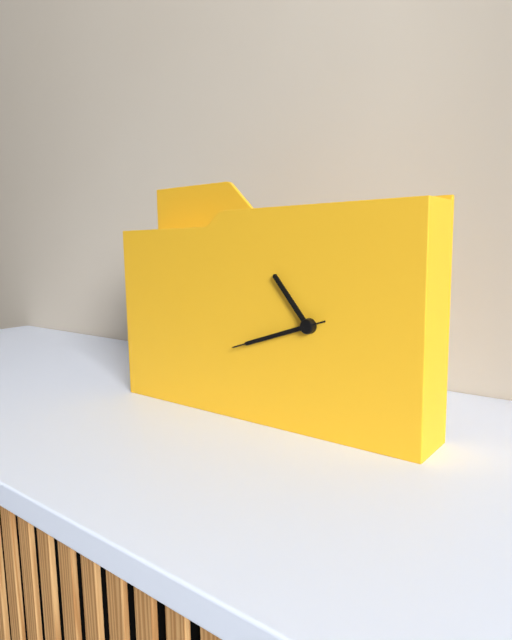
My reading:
{"hour": 10, "minute": 42, "second": 42}
